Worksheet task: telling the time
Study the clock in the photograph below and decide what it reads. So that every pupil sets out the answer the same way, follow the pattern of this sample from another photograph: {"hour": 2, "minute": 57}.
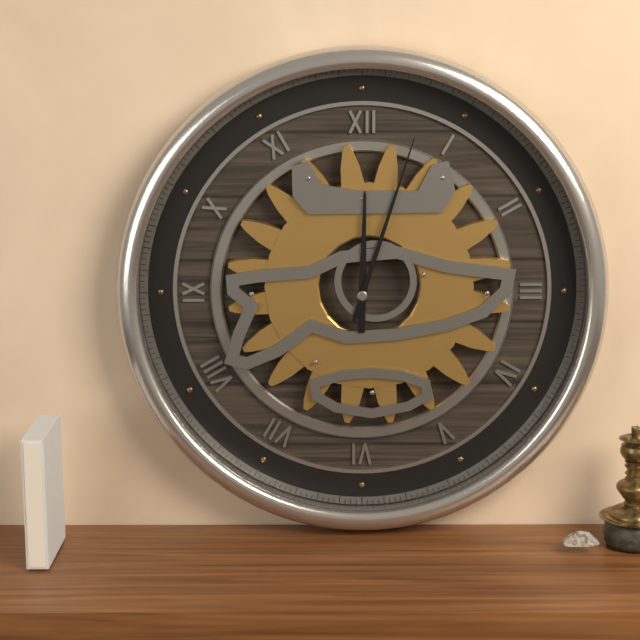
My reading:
{"hour": 12, "minute": 3}
